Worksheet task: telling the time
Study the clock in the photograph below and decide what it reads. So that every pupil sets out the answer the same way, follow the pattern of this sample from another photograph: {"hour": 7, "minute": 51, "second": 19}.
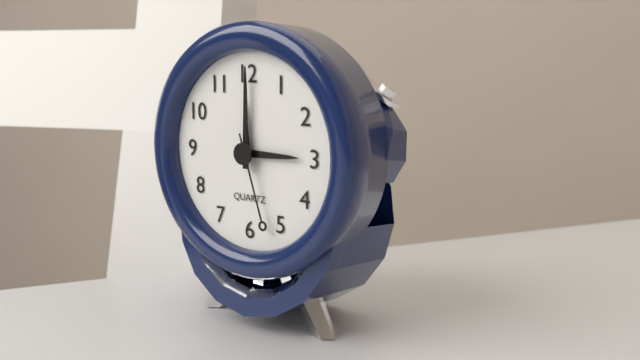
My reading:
{"hour": 3, "minute": 0, "second": 27}
